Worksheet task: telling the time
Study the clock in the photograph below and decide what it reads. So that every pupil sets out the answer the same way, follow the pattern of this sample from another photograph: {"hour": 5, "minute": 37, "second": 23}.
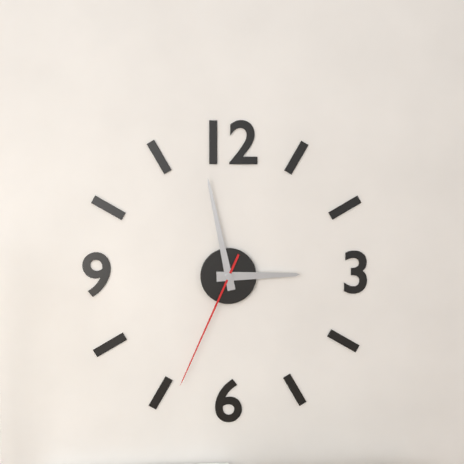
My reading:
{"hour": 2, "minute": 58, "second": 34}
